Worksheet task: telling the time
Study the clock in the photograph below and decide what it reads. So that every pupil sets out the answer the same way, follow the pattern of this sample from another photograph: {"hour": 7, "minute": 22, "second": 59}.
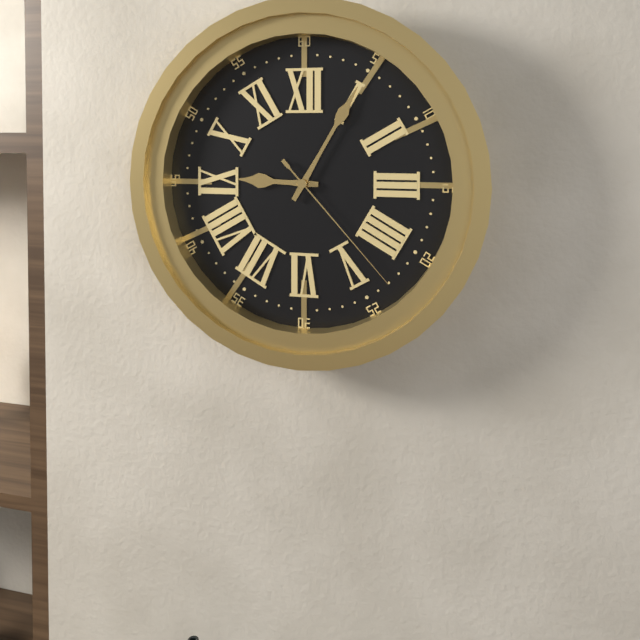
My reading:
{"hour": 9, "minute": 5, "second": 23}
